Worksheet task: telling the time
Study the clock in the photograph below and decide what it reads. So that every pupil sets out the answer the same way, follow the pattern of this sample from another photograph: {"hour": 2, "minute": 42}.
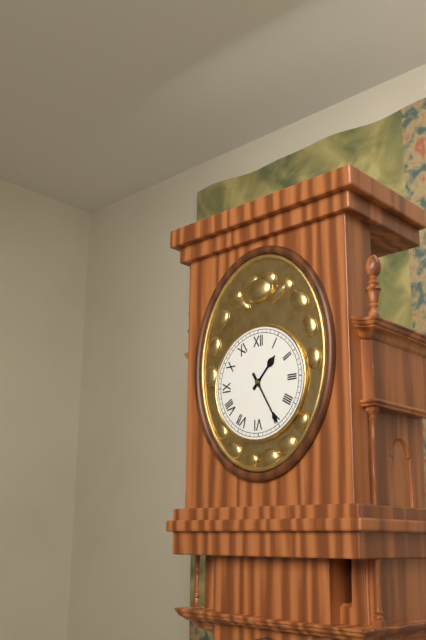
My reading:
{"hour": 1, "minute": 25}
